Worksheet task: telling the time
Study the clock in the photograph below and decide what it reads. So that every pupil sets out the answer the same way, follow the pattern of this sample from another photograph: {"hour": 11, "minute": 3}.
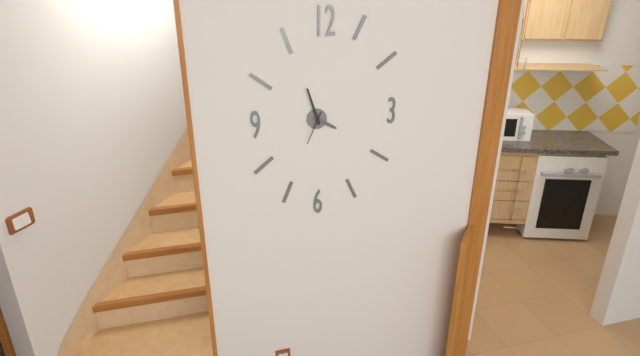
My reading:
{"hour": 3, "minute": 57}
